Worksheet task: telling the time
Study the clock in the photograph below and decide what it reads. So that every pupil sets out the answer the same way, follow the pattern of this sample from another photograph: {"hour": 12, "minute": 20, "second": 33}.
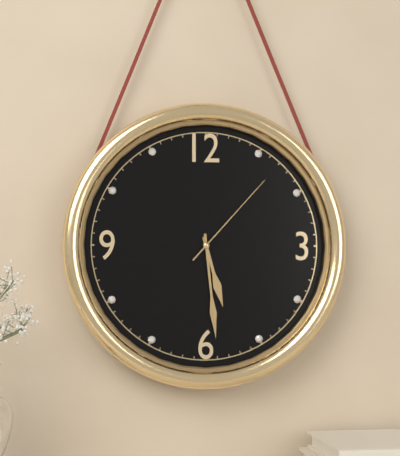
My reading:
{"hour": 5, "minute": 29, "second": 7}
